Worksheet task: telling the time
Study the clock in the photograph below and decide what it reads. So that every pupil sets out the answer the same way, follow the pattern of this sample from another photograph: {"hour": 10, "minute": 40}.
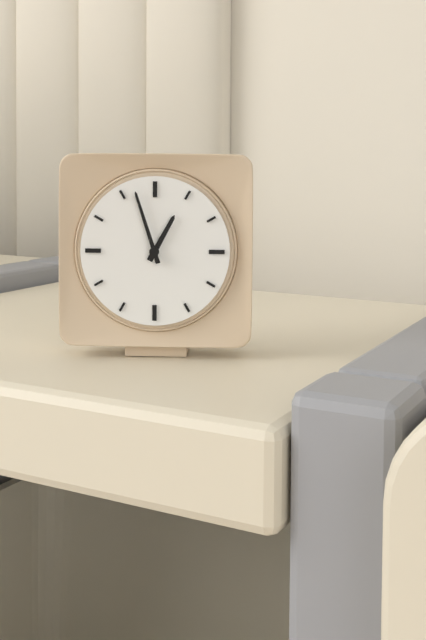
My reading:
{"hour": 12, "minute": 57}
